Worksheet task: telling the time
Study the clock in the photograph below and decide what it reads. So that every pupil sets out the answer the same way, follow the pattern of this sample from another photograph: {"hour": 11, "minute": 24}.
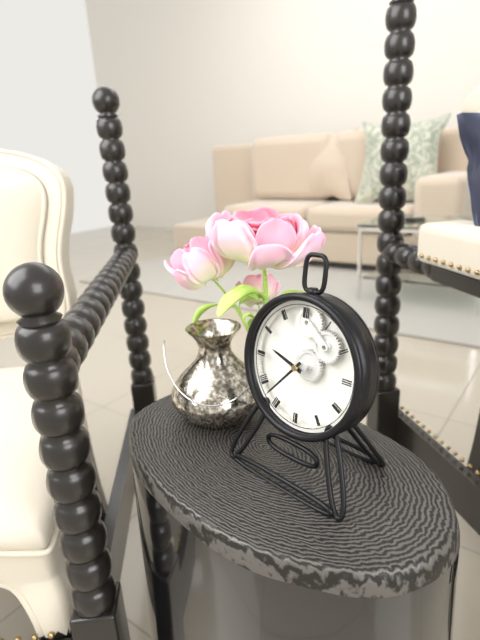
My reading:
{"hour": 9, "minute": 37}
